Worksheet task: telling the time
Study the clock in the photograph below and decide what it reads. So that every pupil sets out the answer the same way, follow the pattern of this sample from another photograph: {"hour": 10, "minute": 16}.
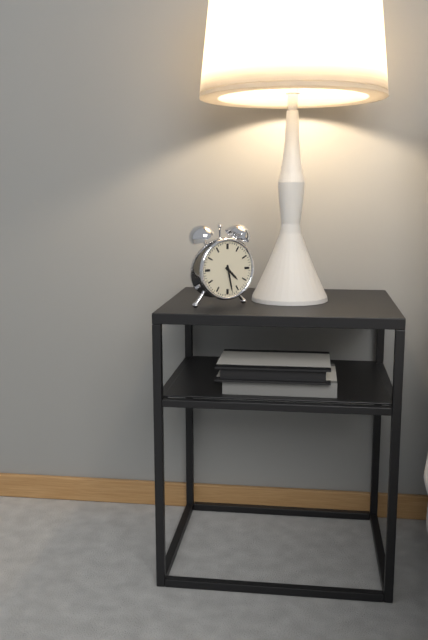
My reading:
{"hour": 4, "minute": 28}
